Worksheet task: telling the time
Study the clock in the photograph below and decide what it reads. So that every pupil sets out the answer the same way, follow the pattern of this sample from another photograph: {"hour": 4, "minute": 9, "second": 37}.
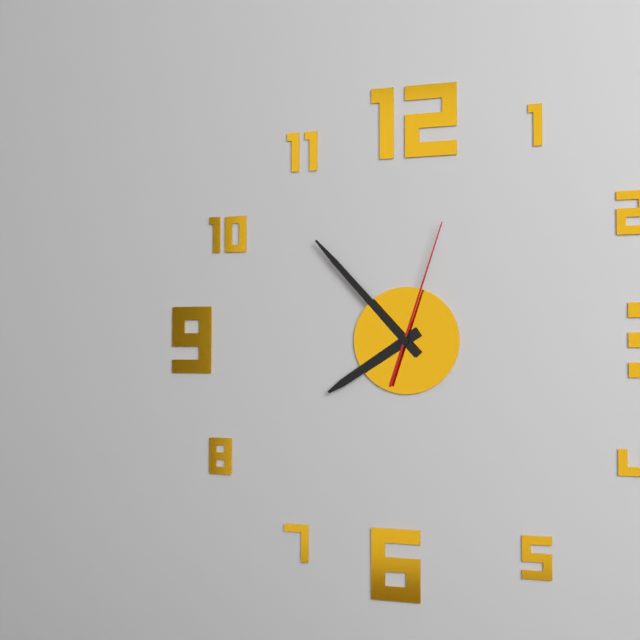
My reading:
{"hour": 7, "minute": 53, "second": 3}
